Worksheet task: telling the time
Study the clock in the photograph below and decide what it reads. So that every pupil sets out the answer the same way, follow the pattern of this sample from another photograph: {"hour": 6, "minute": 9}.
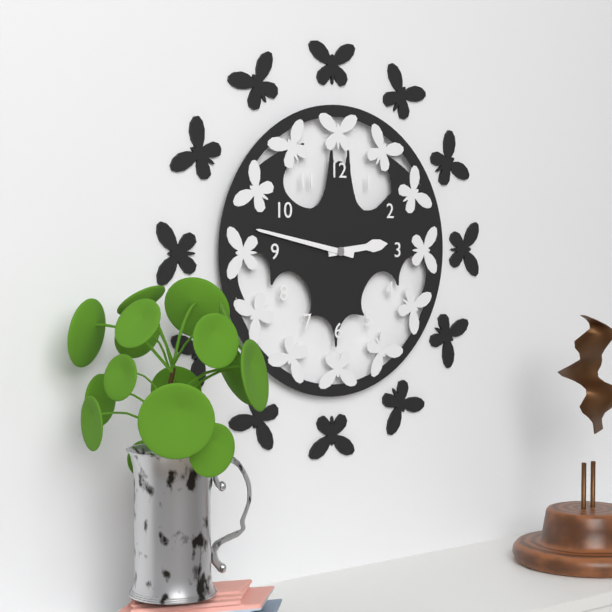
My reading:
{"hour": 2, "minute": 47}
